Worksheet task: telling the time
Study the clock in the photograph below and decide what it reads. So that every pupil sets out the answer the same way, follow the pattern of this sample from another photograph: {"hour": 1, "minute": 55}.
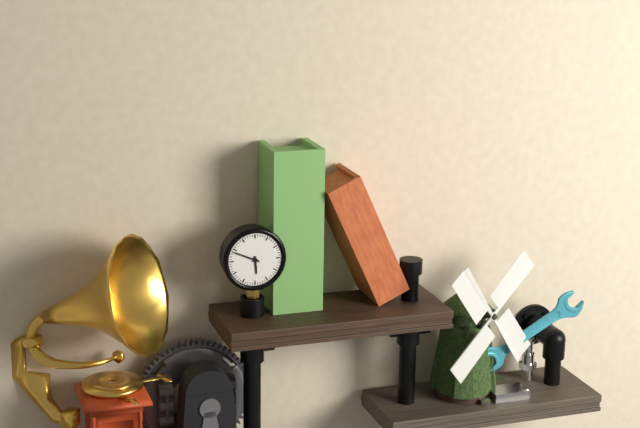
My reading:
{"hour": 5, "minute": 49}
